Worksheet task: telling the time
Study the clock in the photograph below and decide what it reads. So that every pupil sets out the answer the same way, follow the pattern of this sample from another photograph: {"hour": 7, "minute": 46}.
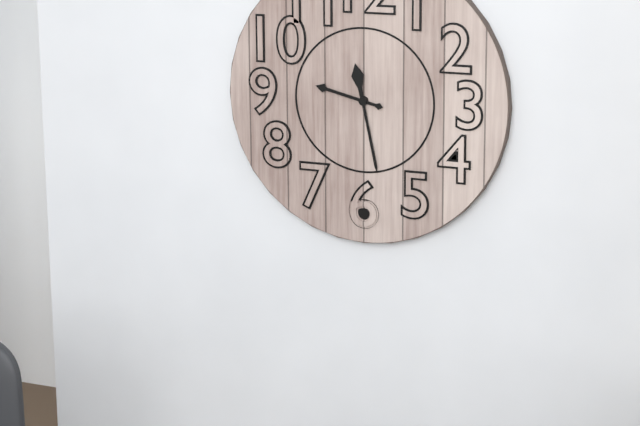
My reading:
{"hour": 9, "minute": 28}
